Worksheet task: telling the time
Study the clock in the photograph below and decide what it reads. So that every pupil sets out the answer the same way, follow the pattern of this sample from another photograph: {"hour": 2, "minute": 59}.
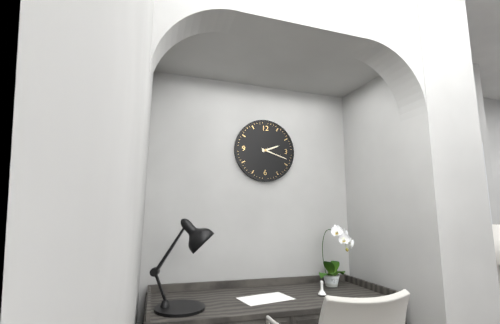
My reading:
{"hour": 2, "minute": 18}
